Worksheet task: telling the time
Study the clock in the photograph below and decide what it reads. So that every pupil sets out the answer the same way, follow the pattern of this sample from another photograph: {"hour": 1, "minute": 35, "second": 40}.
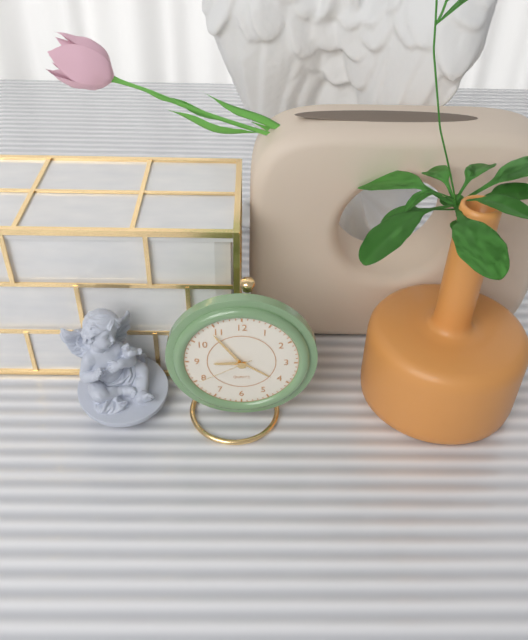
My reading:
{"hour": 8, "minute": 54, "second": 40}
